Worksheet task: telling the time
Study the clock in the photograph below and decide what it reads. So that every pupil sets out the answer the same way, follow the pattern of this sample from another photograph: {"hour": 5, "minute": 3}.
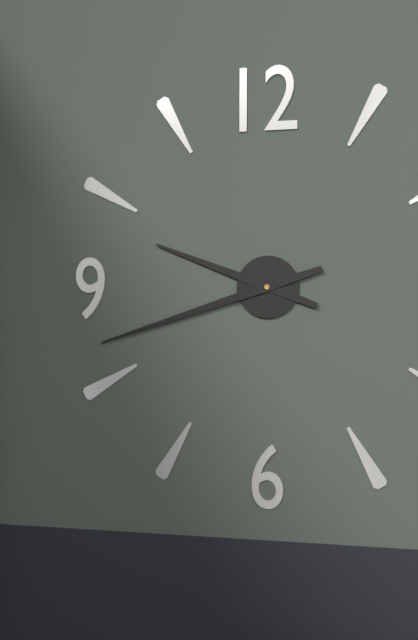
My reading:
{"hour": 9, "minute": 42}
